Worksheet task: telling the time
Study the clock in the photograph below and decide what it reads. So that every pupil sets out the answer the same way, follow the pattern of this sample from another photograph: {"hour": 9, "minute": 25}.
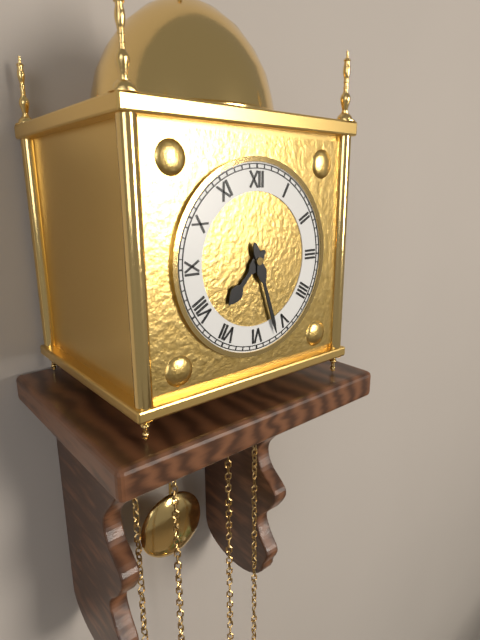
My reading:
{"hour": 7, "minute": 27}
